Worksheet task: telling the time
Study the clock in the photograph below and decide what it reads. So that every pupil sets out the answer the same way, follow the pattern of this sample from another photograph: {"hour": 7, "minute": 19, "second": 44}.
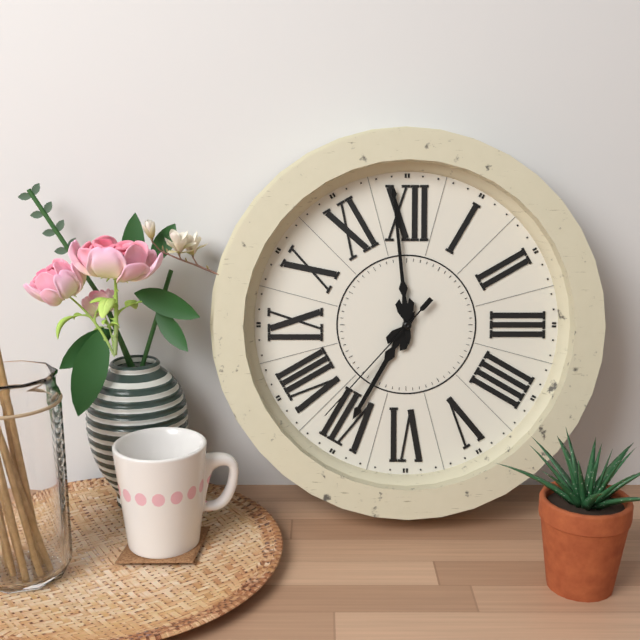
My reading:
{"hour": 6, "minute": 59, "second": 37}
